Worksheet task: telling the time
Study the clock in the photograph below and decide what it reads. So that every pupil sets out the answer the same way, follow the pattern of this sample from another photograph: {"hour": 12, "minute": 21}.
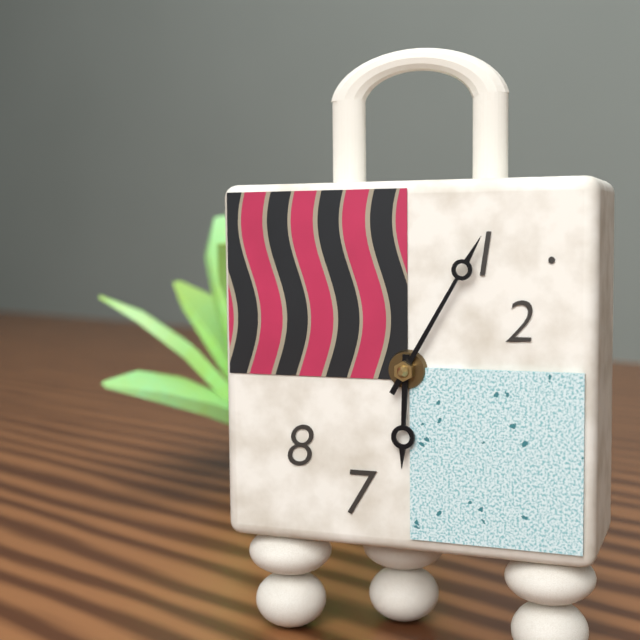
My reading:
{"hour": 6, "minute": 5}
